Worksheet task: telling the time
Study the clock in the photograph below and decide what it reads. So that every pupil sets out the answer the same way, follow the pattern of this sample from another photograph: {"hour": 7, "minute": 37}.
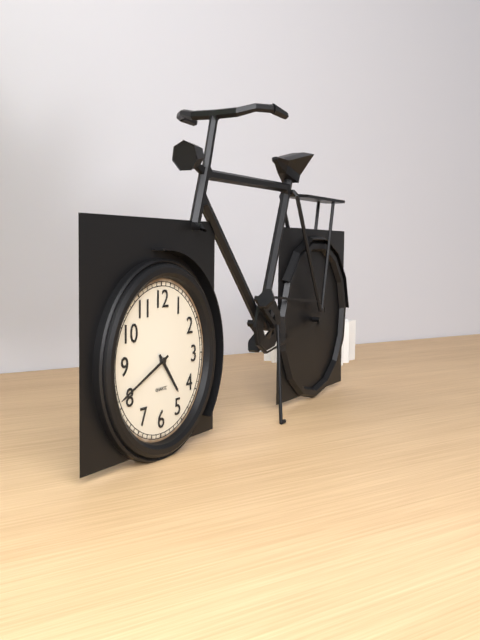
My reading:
{"hour": 4, "minute": 41}
